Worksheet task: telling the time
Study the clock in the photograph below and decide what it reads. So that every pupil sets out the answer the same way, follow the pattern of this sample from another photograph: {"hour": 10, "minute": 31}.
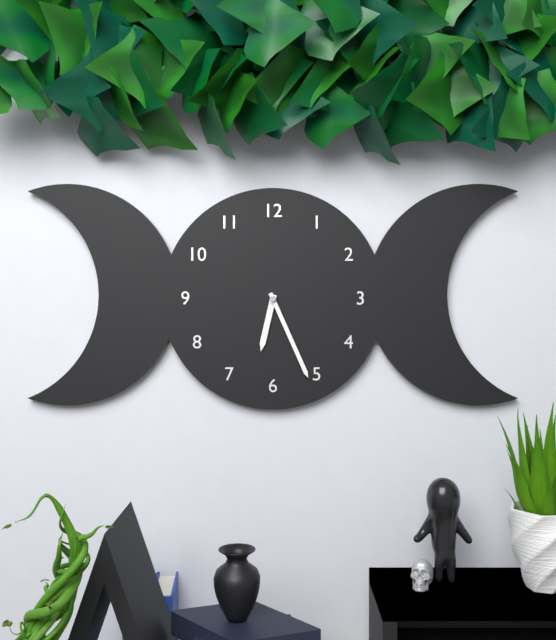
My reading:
{"hour": 6, "minute": 26}
